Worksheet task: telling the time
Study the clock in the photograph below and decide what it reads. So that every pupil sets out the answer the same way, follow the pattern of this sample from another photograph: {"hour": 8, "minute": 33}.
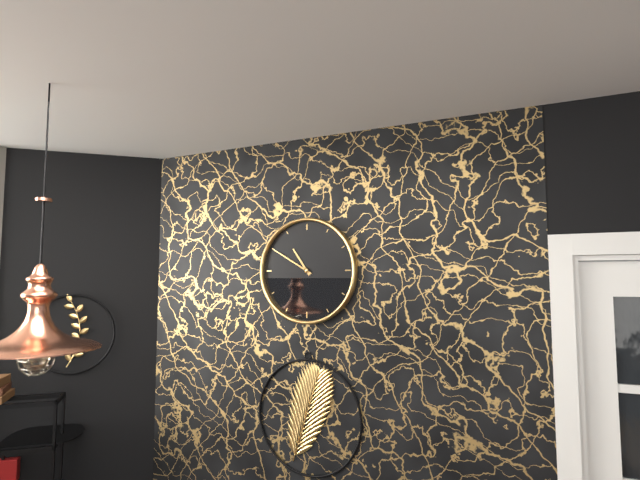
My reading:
{"hour": 10, "minute": 50}
